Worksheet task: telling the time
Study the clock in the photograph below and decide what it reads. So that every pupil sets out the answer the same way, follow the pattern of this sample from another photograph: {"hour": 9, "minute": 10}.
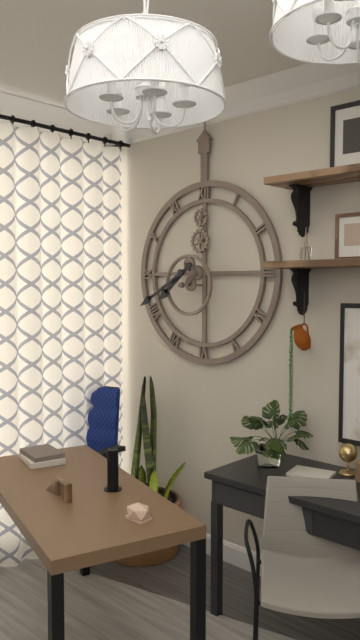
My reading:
{"hour": 7, "minute": 40}
